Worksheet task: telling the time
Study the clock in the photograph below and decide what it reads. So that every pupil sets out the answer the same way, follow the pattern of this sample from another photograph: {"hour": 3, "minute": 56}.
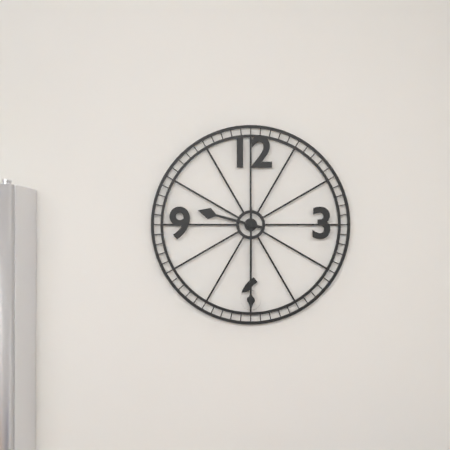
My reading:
{"hour": 9, "minute": 30}
